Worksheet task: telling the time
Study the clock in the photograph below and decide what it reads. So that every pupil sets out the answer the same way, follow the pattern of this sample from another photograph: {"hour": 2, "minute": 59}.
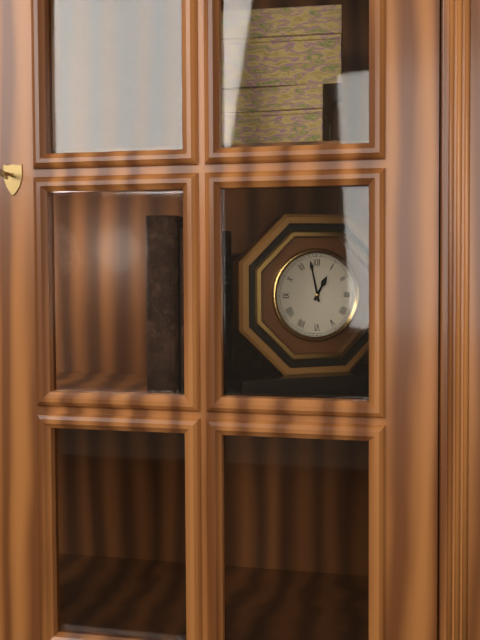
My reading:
{"hour": 12, "minute": 58}
